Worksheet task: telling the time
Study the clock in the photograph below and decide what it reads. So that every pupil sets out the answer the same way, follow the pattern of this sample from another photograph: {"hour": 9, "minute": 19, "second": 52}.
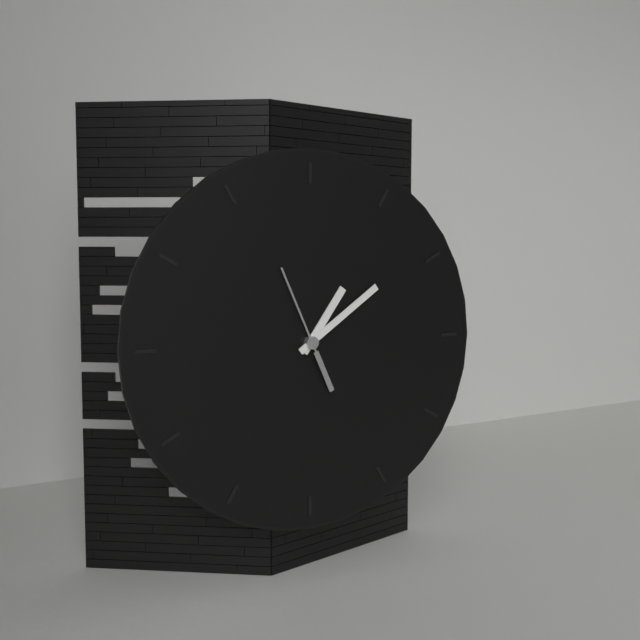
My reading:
{"hour": 1, "minute": 9, "second": 56}
